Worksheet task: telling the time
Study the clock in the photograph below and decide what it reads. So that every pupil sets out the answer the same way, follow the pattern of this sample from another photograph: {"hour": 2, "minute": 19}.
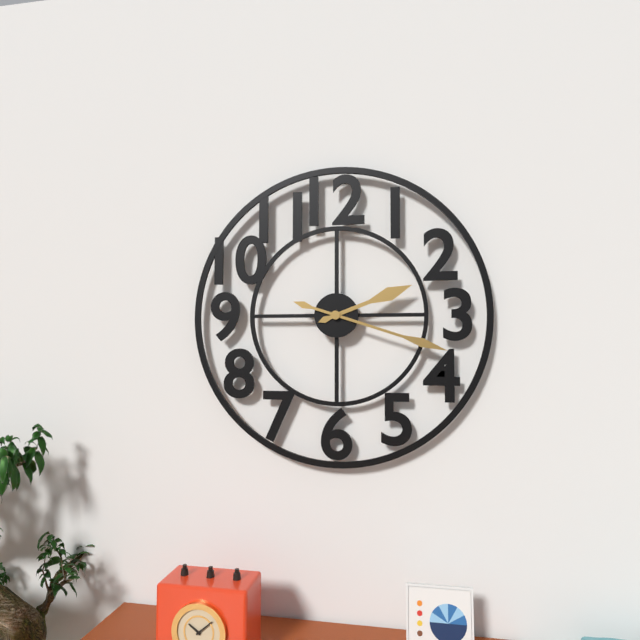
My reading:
{"hour": 2, "minute": 18}
